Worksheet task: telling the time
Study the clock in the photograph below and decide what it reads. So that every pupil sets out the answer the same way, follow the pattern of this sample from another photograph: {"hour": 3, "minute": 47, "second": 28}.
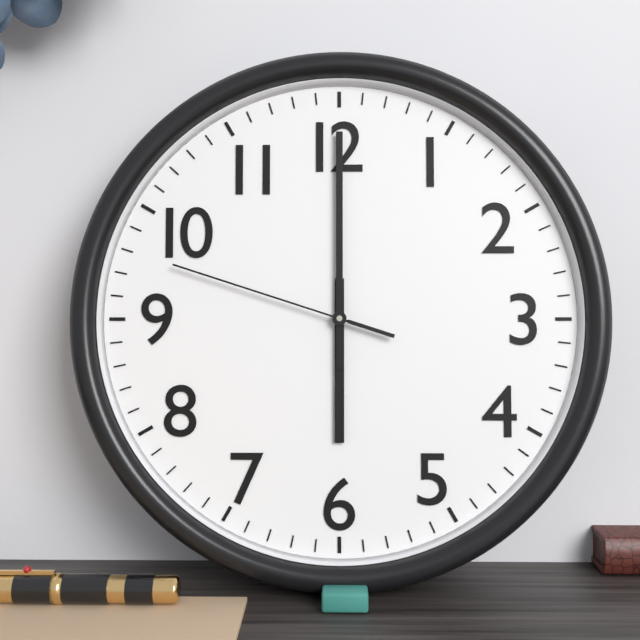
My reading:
{"hour": 6, "minute": 0, "second": 48}
